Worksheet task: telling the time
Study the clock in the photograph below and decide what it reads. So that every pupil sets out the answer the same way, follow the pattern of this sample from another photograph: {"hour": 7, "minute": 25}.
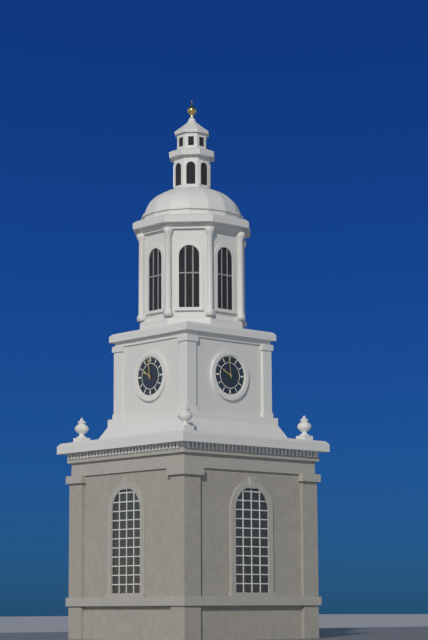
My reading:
{"hour": 9, "minute": 59}
